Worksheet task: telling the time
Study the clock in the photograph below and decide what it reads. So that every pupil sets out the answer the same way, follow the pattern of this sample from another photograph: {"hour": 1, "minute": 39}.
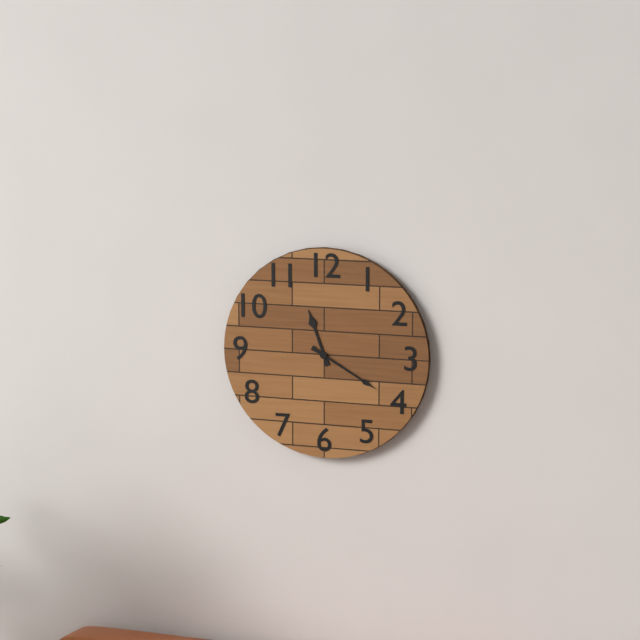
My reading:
{"hour": 11, "minute": 20}
